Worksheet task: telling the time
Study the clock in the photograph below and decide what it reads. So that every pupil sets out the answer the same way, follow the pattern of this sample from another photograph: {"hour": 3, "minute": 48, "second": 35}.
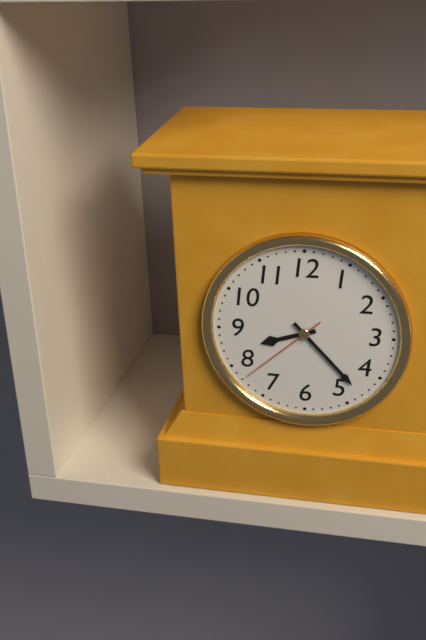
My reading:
{"hour": 8, "minute": 23, "second": 38}
